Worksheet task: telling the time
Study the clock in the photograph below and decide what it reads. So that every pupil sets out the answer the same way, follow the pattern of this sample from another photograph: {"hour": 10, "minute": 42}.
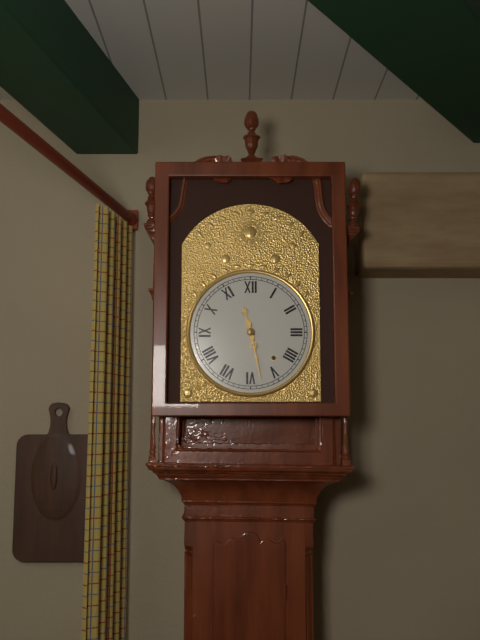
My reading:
{"hour": 11, "minute": 28}
